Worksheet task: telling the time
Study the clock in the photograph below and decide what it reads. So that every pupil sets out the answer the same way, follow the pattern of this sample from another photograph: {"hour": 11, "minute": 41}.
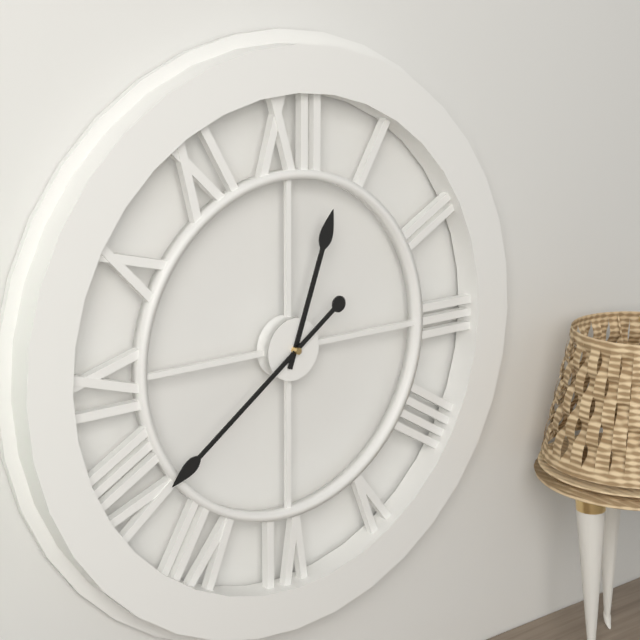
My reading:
{"hour": 12, "minute": 39}
